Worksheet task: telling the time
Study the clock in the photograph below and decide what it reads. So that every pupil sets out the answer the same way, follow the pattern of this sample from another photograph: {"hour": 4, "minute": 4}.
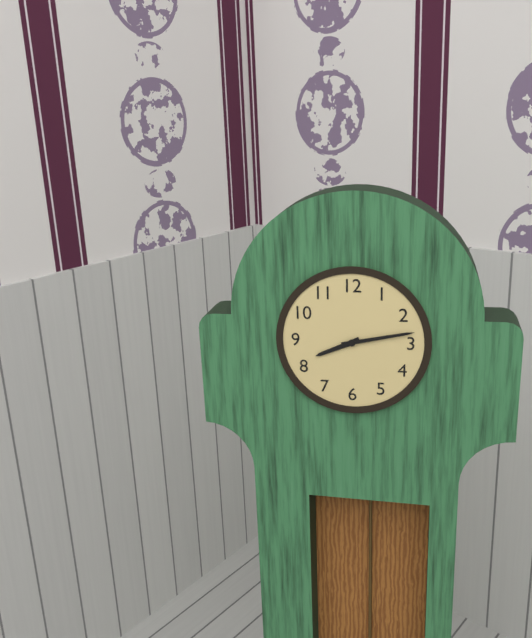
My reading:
{"hour": 8, "minute": 13}
